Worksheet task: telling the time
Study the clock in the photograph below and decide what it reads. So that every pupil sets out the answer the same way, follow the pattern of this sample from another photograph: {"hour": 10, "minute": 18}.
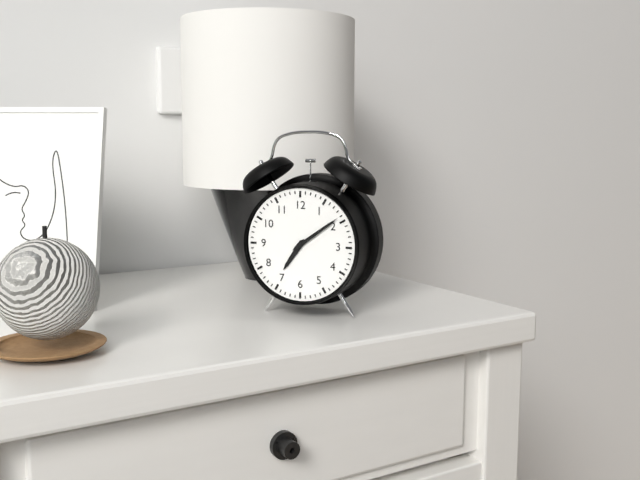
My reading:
{"hour": 7, "minute": 9}
